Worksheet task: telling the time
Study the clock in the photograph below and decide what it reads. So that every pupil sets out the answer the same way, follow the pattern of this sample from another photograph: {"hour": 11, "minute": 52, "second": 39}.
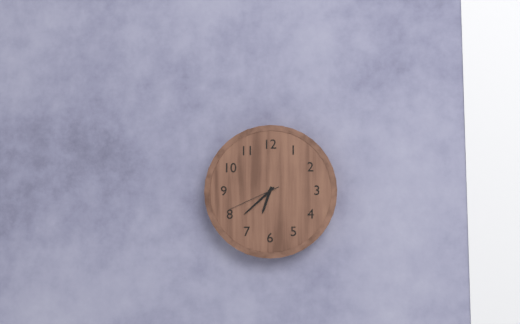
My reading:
{"hour": 6, "minute": 38, "second": 41}
